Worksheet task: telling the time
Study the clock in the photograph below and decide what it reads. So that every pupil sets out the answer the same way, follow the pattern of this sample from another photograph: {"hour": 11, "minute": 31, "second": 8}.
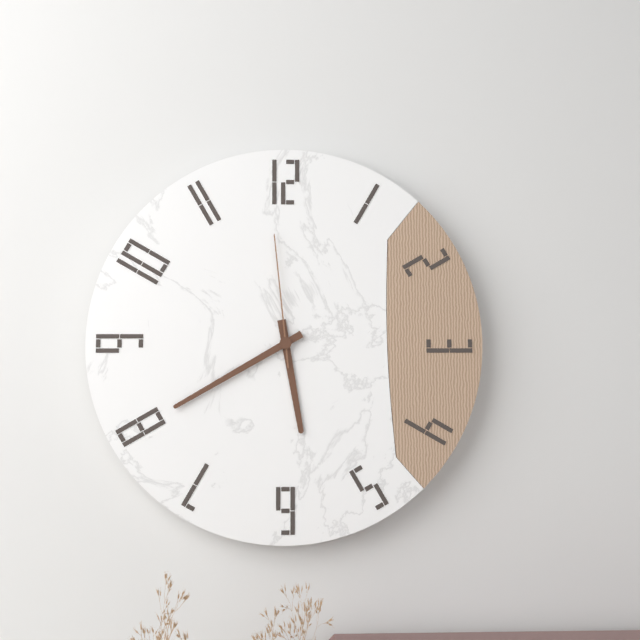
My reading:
{"hour": 5, "minute": 40, "second": 59}
